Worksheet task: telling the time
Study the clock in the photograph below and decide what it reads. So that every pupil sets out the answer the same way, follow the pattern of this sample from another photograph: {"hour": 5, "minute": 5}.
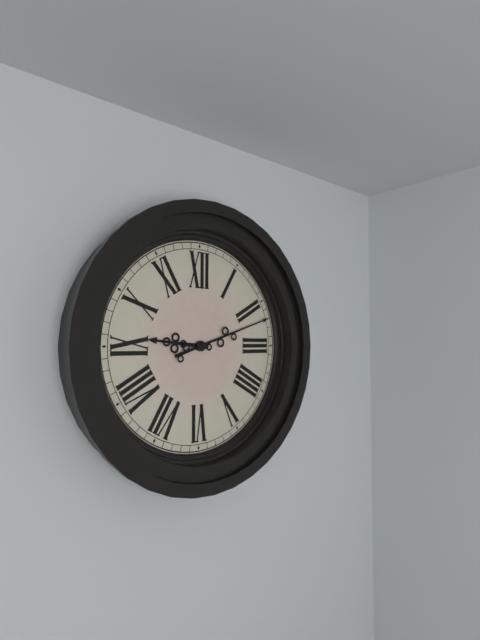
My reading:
{"hour": 9, "minute": 12}
